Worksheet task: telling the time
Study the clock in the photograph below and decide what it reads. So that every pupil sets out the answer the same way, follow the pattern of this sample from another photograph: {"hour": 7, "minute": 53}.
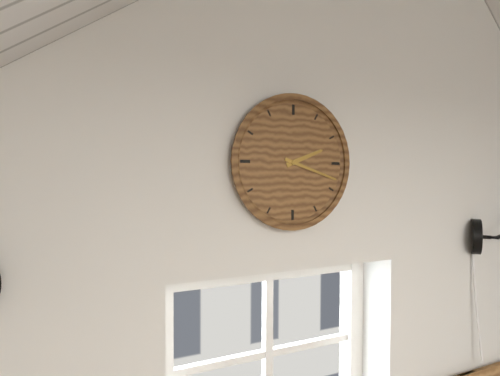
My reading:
{"hour": 2, "minute": 18}
